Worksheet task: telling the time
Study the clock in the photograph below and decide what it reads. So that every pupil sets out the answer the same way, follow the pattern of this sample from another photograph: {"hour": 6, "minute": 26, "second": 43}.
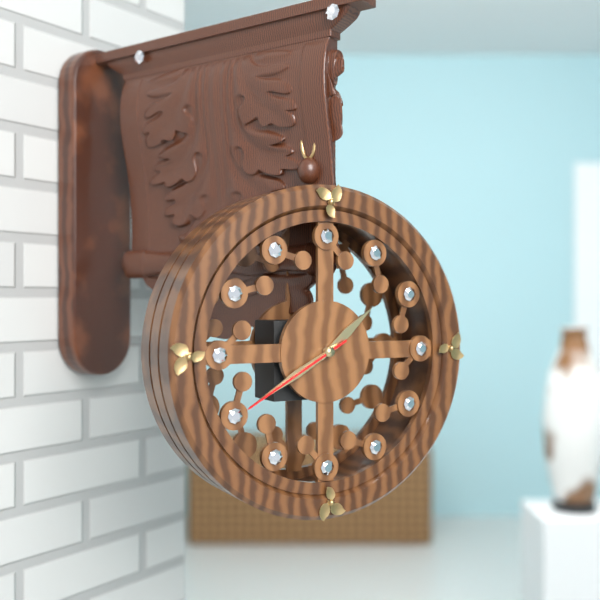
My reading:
{"hour": 1, "minute": 40, "second": 40}
